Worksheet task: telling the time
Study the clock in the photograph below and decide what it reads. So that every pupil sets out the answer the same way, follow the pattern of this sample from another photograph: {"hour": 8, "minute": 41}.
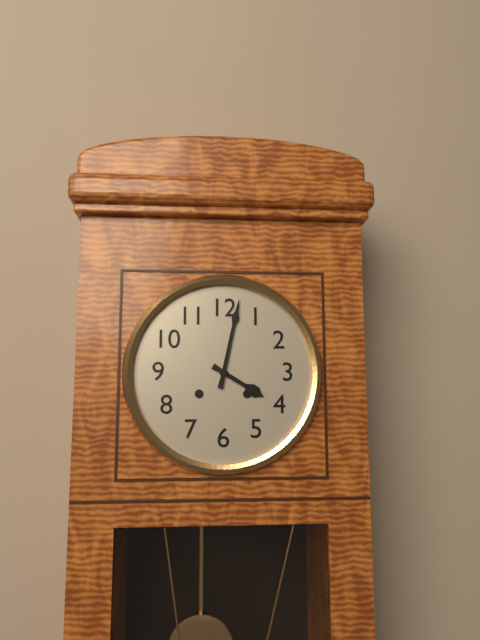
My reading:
{"hour": 4, "minute": 2}
